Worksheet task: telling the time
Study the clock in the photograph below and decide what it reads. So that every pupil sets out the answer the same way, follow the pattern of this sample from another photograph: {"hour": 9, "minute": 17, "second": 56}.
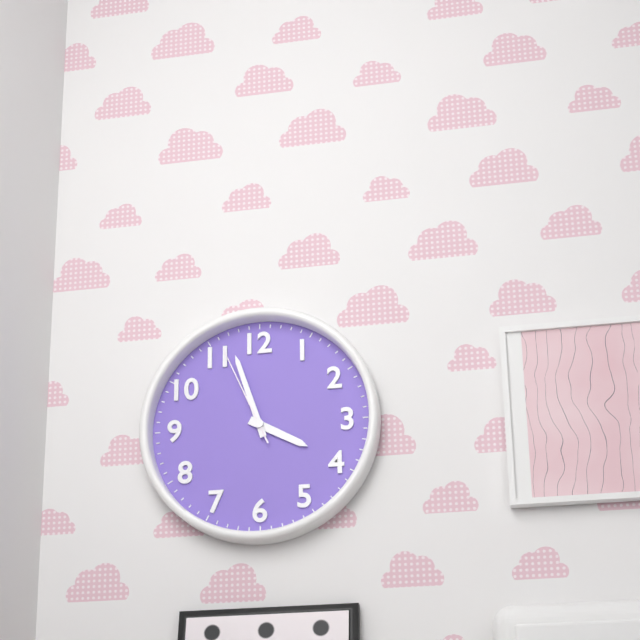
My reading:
{"hour": 3, "minute": 57, "second": 56}
